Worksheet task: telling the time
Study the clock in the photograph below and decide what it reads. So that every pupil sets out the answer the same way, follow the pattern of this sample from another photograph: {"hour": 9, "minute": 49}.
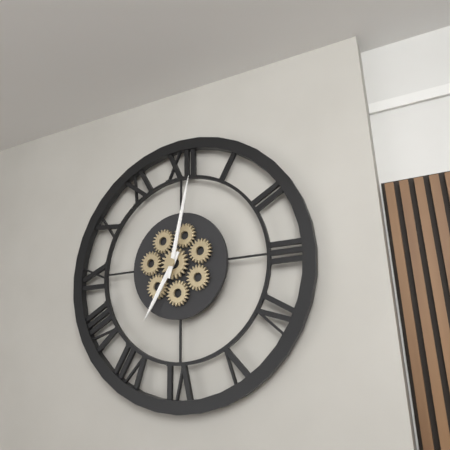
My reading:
{"hour": 7, "minute": 2}
